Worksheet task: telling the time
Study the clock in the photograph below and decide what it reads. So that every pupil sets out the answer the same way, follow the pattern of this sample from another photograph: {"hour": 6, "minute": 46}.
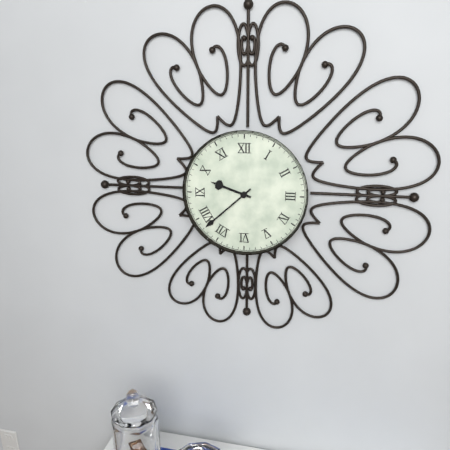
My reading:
{"hour": 9, "minute": 38}
